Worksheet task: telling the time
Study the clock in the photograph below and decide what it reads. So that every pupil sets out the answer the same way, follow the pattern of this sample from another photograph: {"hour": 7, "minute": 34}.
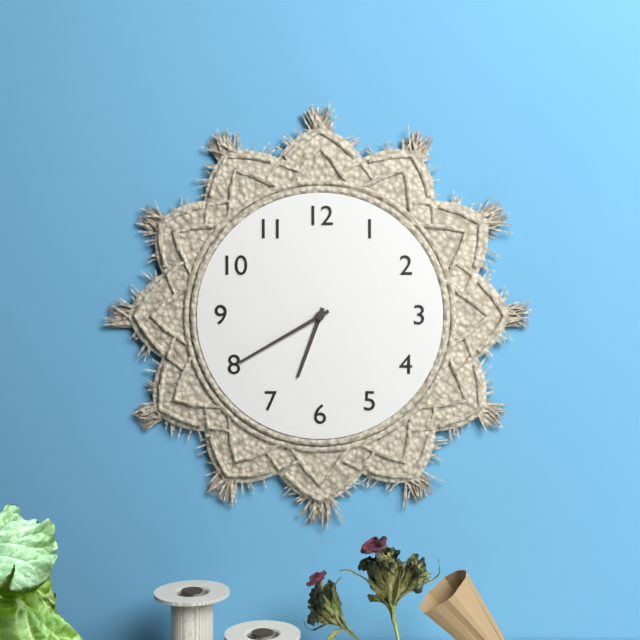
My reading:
{"hour": 6, "minute": 40}
